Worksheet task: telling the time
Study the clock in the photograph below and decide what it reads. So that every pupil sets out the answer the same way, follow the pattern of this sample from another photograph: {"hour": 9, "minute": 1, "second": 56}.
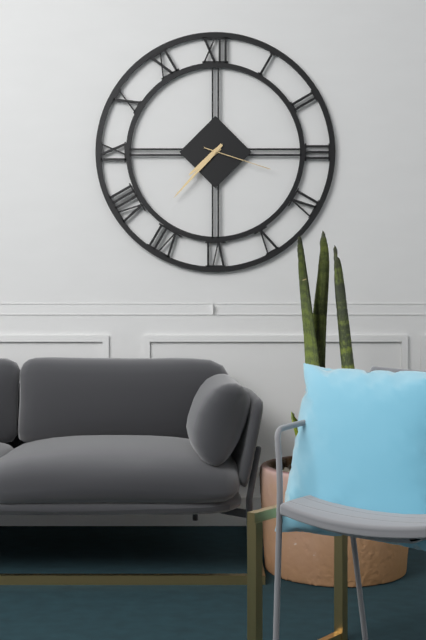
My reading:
{"hour": 7, "minute": 37, "second": 18}
